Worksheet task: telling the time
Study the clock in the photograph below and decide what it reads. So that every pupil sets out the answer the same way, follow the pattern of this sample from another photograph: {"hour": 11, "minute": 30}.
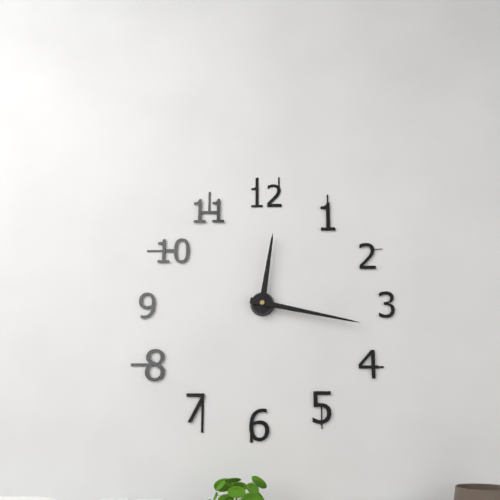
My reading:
{"hour": 12, "minute": 17}
